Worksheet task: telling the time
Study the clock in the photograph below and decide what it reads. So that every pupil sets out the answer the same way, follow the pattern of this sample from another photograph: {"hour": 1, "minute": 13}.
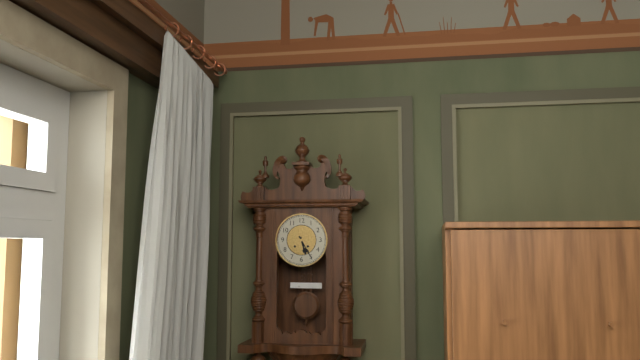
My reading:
{"hour": 5, "minute": 25}
